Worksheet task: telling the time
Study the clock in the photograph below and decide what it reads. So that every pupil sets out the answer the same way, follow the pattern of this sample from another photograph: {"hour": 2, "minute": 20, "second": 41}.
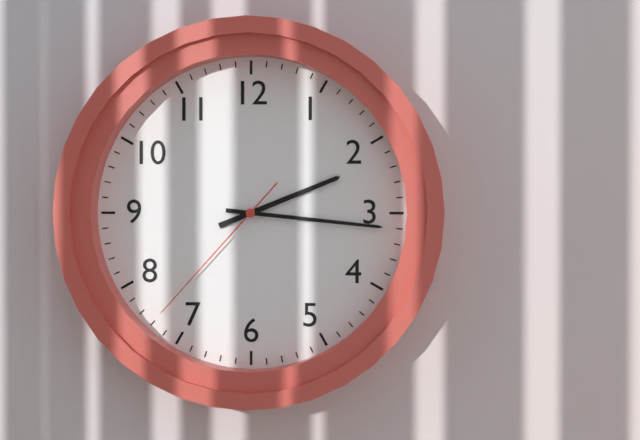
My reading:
{"hour": 2, "minute": 16, "second": 37}
